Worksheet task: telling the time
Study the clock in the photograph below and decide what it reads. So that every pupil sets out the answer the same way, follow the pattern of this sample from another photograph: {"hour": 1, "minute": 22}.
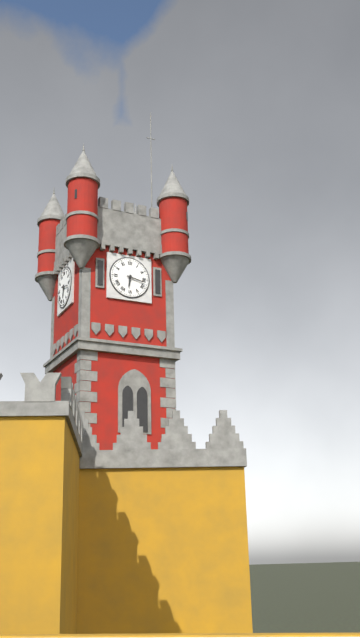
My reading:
{"hour": 6, "minute": 17}
